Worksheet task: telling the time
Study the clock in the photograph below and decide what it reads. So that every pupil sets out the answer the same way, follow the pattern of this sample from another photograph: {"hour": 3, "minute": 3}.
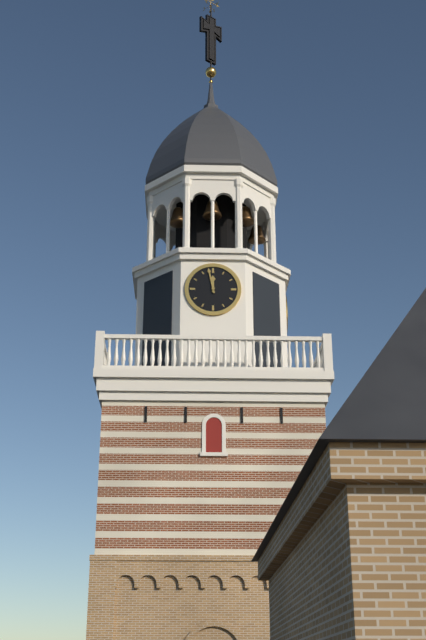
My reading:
{"hour": 11, "minute": 58}
